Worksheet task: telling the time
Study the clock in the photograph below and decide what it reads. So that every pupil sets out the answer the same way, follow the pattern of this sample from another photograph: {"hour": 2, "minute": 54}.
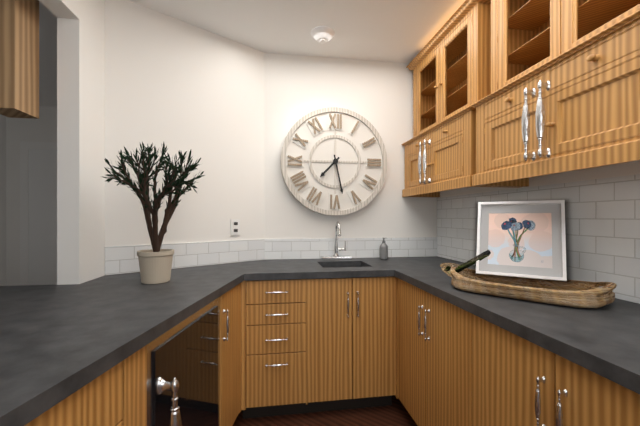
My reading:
{"hour": 7, "minute": 28}
